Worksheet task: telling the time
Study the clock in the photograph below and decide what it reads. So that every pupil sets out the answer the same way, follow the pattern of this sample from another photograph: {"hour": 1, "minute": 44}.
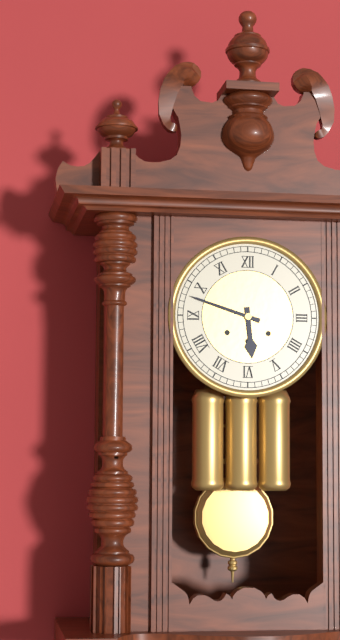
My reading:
{"hour": 5, "minute": 48}
